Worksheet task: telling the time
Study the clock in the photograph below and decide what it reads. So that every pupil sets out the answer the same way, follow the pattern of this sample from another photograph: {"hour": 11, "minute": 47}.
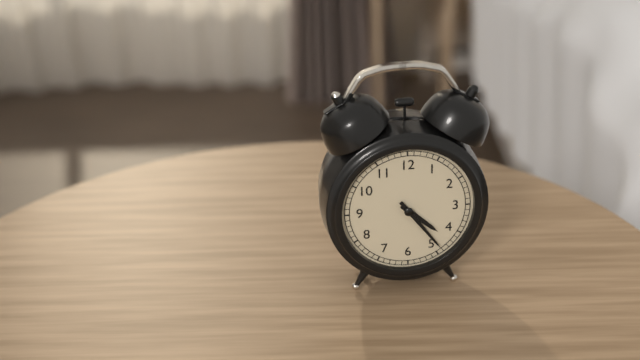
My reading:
{"hour": 4, "minute": 24}
